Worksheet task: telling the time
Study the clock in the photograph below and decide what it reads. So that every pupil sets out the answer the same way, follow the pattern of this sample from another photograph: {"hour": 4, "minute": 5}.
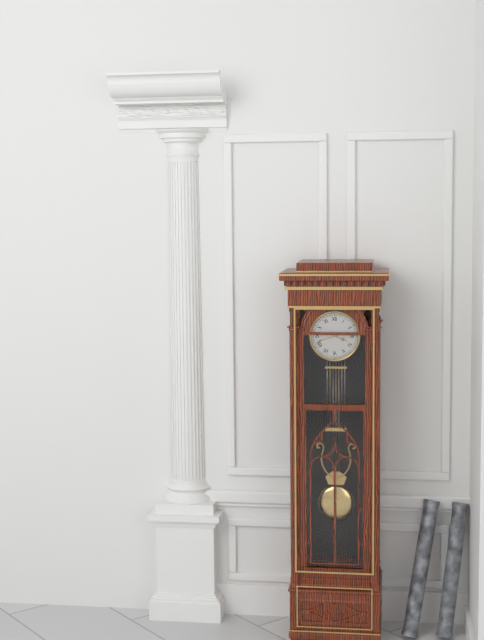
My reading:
{"hour": 3, "minute": 42}
